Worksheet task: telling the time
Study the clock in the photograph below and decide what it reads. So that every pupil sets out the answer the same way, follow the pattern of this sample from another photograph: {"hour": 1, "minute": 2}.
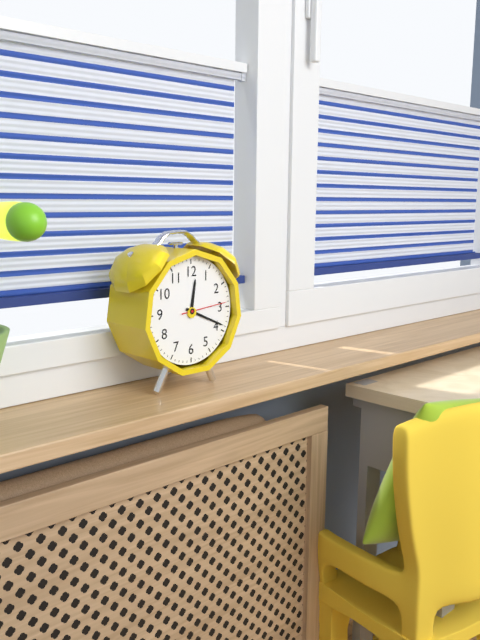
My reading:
{"hour": 12, "minute": 19}
